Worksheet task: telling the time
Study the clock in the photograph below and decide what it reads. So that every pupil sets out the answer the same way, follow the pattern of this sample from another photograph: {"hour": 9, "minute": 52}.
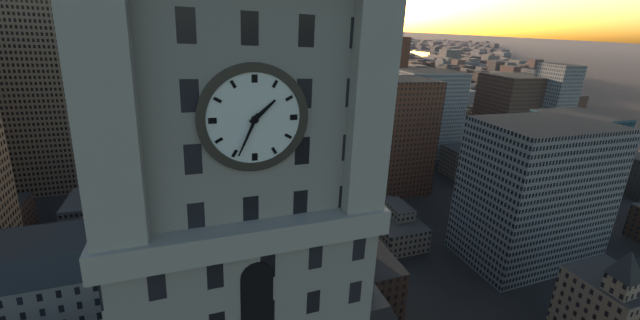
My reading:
{"hour": 1, "minute": 34}
